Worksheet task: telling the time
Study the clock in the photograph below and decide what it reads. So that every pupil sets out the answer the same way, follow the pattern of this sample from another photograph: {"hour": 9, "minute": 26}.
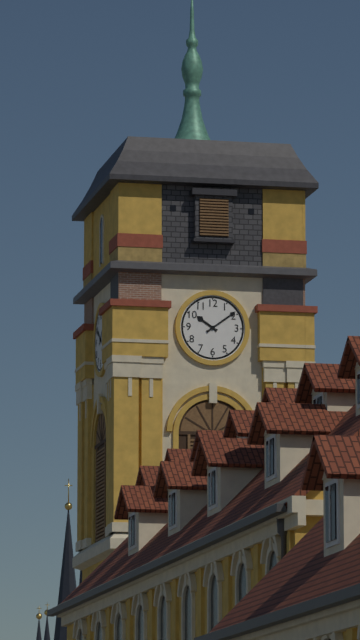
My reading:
{"hour": 10, "minute": 9}
